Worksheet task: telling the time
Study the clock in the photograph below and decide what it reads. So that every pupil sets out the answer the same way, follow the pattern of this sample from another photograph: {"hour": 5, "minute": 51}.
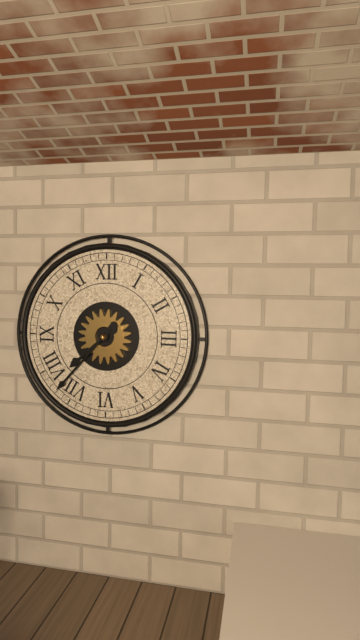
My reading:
{"hour": 7, "minute": 37}
